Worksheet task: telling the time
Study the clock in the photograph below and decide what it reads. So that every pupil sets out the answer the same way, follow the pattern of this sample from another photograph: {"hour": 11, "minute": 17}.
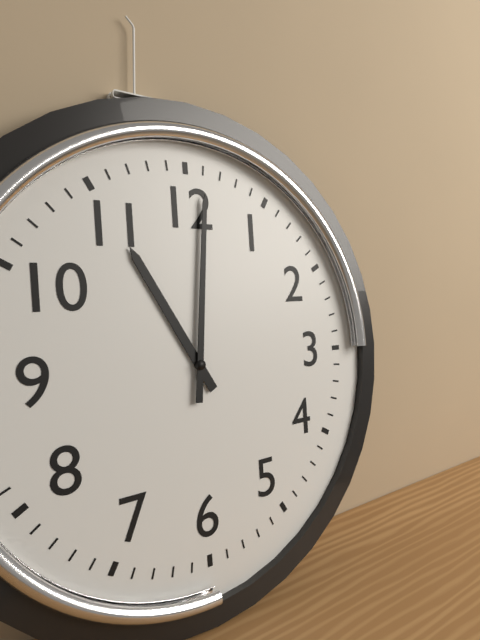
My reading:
{"hour": 11, "minute": 1}
